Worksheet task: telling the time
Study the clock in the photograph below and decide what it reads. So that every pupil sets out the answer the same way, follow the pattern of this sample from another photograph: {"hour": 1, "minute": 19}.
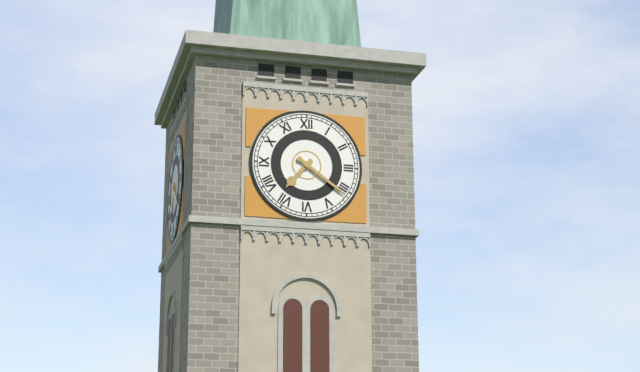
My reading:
{"hour": 7, "minute": 21}
